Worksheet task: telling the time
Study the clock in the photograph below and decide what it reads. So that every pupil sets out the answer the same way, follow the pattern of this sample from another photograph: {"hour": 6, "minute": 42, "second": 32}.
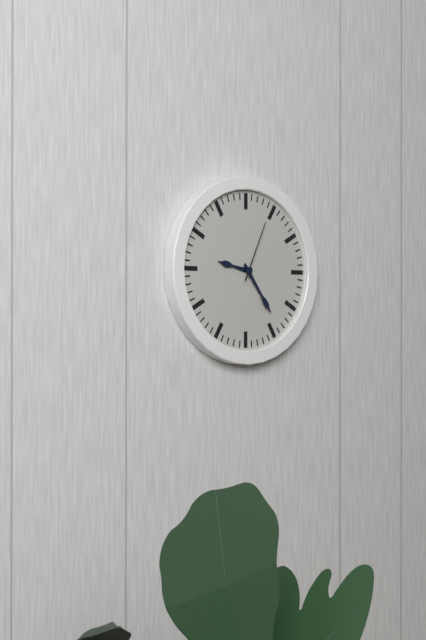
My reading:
{"hour": 9, "minute": 24, "second": 4}
